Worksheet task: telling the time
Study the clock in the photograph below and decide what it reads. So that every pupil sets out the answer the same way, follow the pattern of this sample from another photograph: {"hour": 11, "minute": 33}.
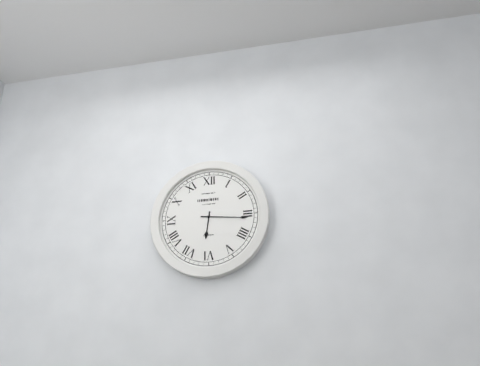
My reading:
{"hour": 6, "minute": 16}
